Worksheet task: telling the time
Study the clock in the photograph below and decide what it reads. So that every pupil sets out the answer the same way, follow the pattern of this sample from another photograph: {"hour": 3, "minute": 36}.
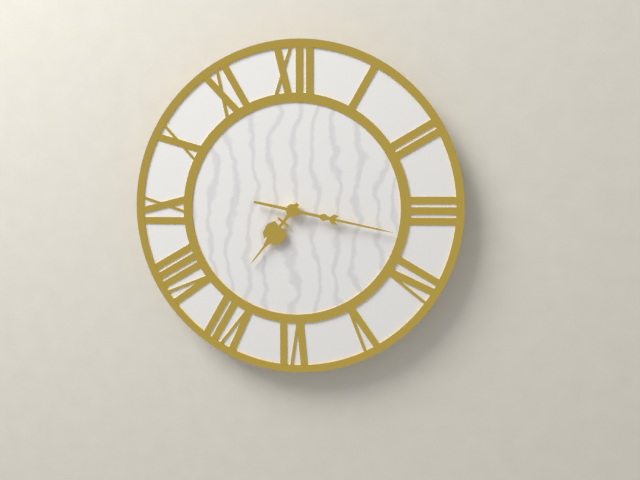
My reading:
{"hour": 7, "minute": 17}
